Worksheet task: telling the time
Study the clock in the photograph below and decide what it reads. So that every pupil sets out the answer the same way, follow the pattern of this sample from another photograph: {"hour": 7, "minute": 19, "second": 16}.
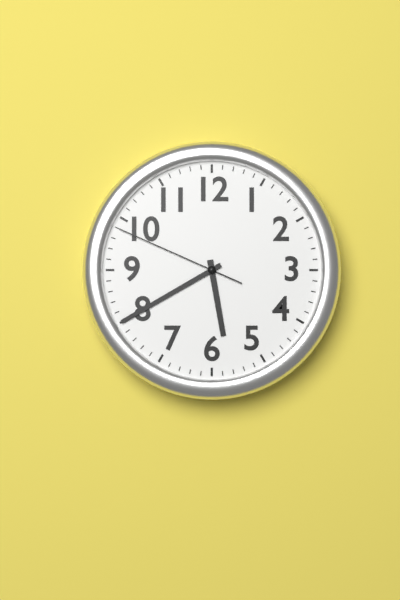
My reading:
{"hour": 5, "minute": 40, "second": 49}
